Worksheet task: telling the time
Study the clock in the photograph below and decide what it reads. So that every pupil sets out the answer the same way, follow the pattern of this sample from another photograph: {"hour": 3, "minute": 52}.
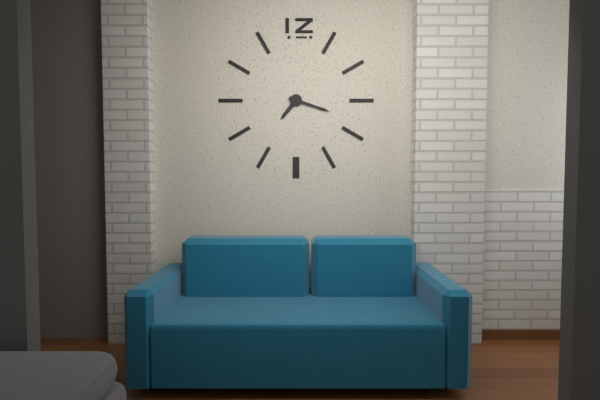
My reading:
{"hour": 7, "minute": 18}
